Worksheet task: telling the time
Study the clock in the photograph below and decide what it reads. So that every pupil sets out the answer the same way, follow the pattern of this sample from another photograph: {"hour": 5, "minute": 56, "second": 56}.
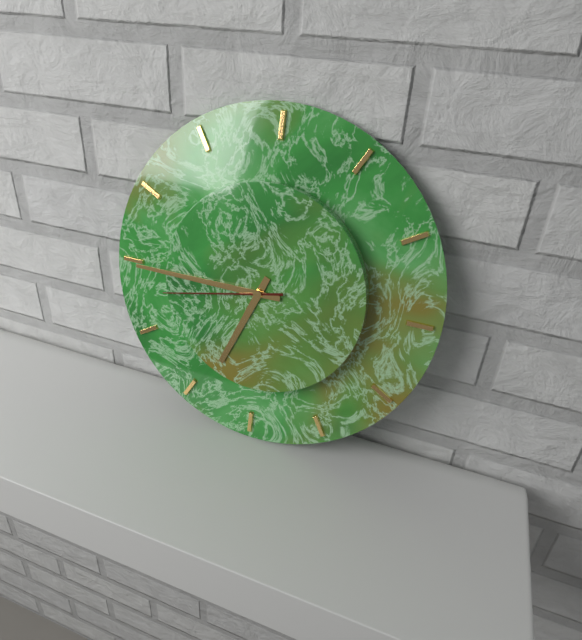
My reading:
{"hour": 6, "minute": 45, "second": 43}
